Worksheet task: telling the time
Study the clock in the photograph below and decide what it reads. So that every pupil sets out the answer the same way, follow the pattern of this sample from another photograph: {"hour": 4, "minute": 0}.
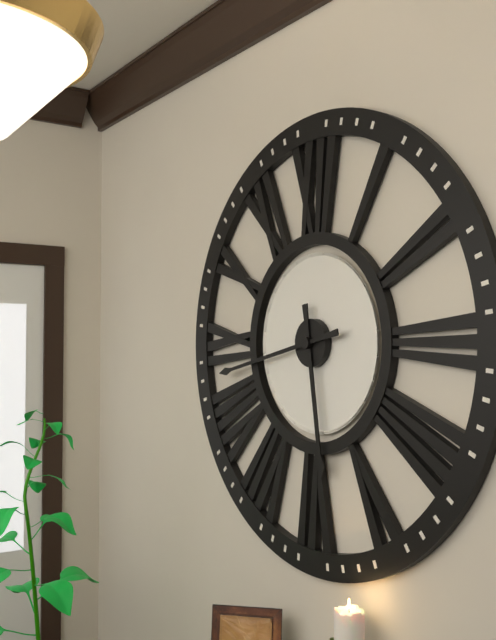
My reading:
{"hour": 5, "minute": 43}
